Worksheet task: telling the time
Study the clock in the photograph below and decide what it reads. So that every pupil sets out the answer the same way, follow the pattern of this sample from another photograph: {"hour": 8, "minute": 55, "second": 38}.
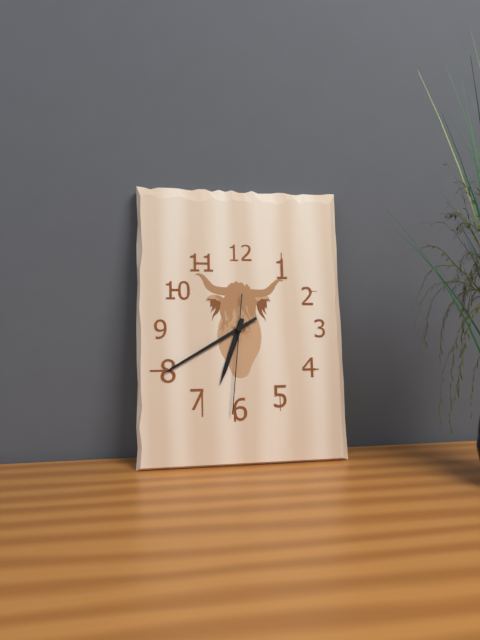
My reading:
{"hour": 6, "minute": 40, "second": 31}
